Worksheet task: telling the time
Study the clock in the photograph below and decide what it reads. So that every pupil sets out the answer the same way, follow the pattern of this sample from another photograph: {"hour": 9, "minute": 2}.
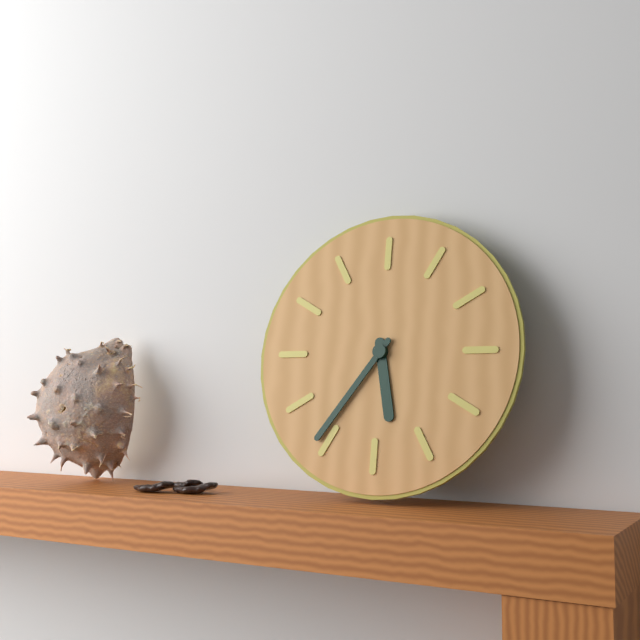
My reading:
{"hour": 5, "minute": 36}
